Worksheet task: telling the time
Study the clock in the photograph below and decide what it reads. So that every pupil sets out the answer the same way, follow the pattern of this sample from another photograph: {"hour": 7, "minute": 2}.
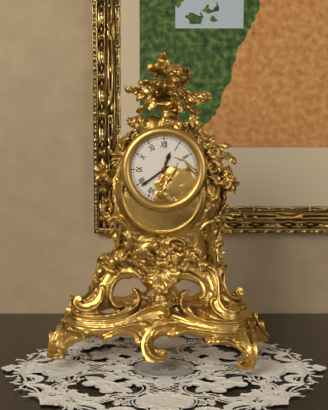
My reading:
{"hour": 12, "minute": 39}
